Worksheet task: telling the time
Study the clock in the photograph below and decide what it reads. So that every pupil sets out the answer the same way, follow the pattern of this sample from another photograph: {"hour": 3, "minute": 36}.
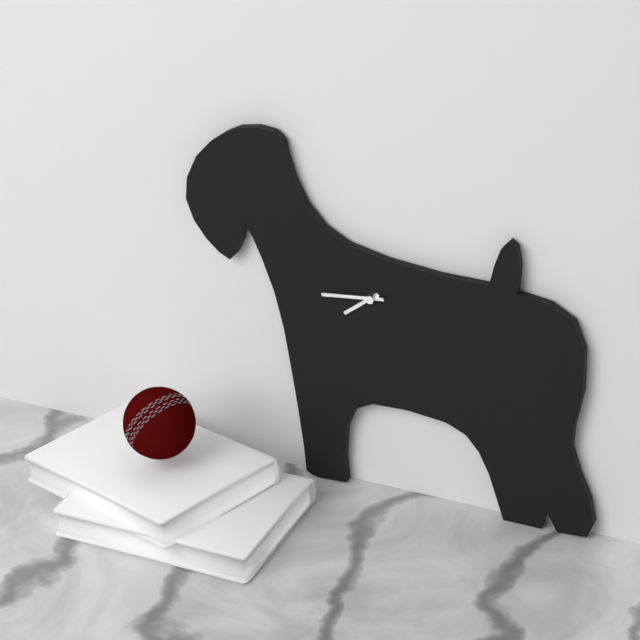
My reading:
{"hour": 7, "minute": 44}
